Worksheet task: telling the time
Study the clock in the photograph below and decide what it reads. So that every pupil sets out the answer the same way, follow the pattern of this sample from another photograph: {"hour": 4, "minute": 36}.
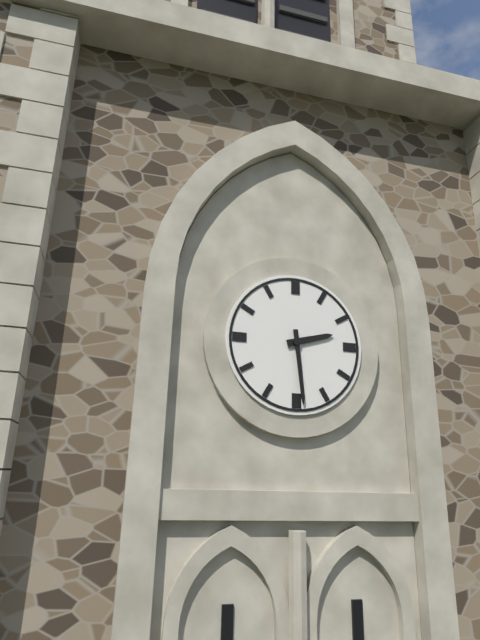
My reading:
{"hour": 2, "minute": 29}
